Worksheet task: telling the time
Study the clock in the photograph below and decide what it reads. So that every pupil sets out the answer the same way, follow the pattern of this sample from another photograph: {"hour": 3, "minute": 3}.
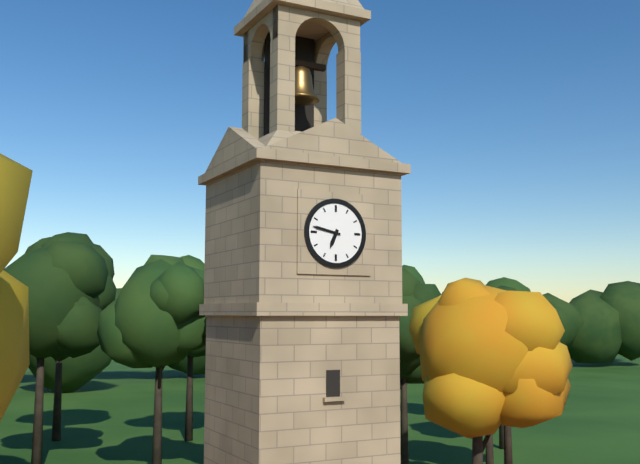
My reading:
{"hour": 6, "minute": 47}
